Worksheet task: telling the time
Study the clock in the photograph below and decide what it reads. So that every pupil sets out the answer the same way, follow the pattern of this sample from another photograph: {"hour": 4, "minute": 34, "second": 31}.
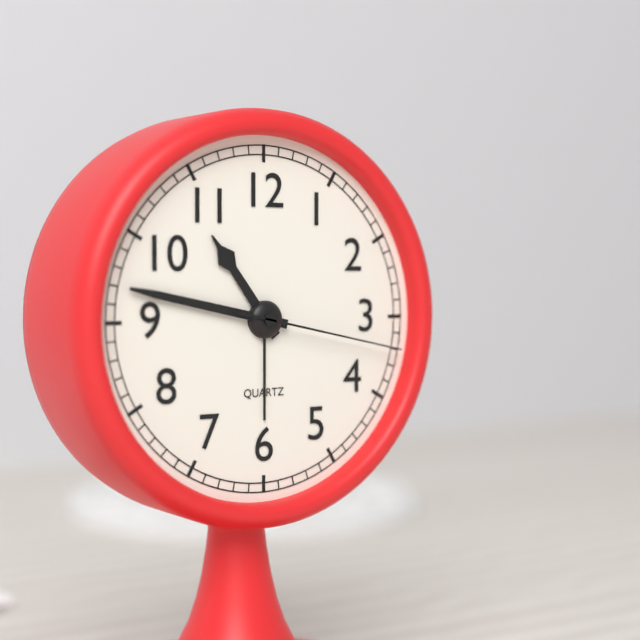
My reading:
{"hour": 10, "minute": 47, "second": 17}
